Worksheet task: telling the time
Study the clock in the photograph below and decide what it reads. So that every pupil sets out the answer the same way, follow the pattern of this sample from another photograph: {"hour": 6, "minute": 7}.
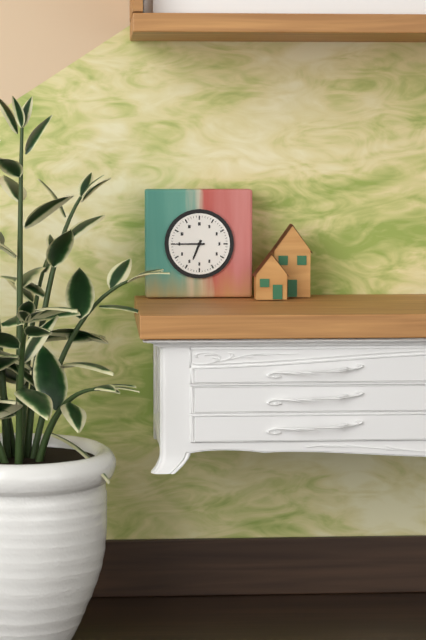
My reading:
{"hour": 6, "minute": 45}
